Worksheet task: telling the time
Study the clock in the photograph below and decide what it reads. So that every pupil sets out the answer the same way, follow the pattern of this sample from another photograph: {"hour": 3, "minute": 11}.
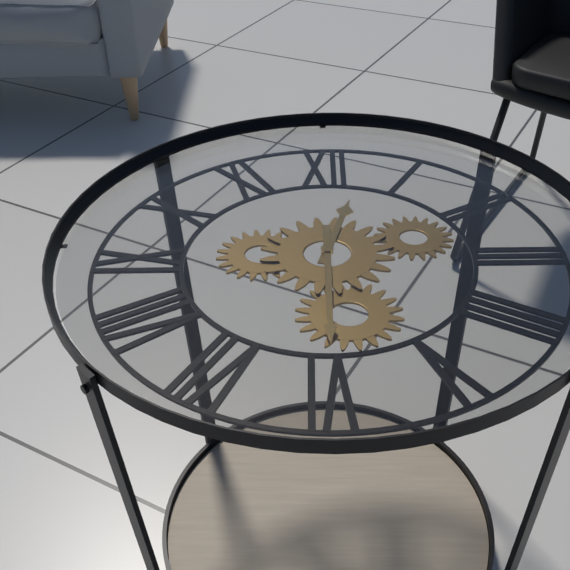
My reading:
{"hour": 12, "minute": 30}
